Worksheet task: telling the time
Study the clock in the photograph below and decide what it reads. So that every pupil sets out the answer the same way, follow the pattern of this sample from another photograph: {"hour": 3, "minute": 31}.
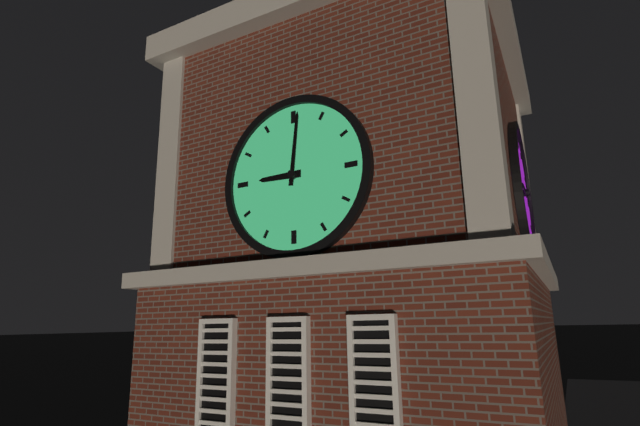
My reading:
{"hour": 9, "minute": 1}
